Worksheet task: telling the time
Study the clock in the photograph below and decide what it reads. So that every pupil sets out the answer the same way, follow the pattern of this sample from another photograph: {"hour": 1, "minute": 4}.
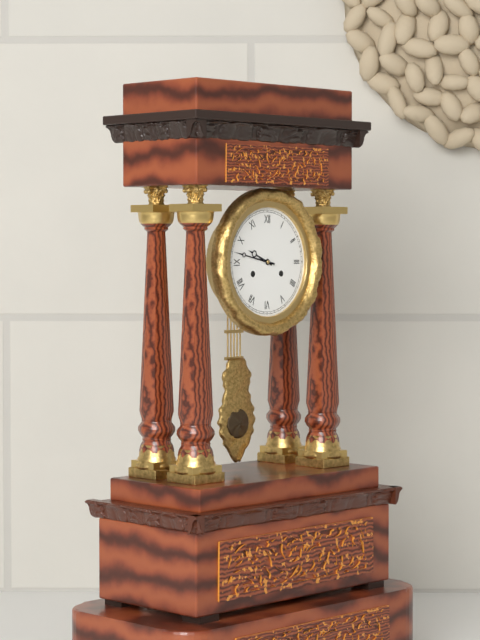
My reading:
{"hour": 9, "minute": 47}
